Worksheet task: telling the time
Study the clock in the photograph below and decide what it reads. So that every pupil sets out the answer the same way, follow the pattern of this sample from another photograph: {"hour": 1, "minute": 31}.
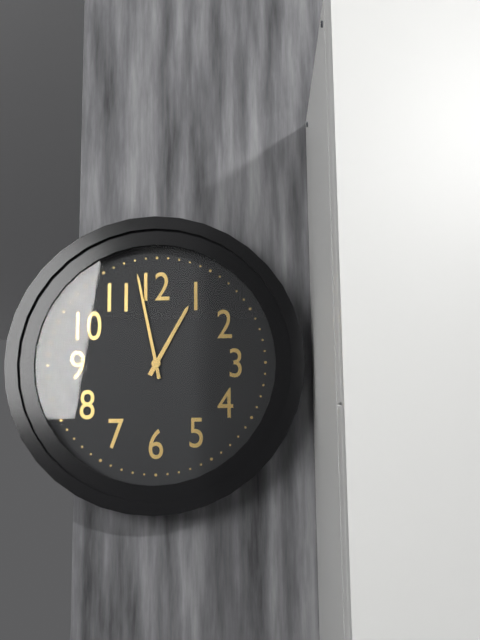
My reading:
{"hour": 12, "minute": 58}
